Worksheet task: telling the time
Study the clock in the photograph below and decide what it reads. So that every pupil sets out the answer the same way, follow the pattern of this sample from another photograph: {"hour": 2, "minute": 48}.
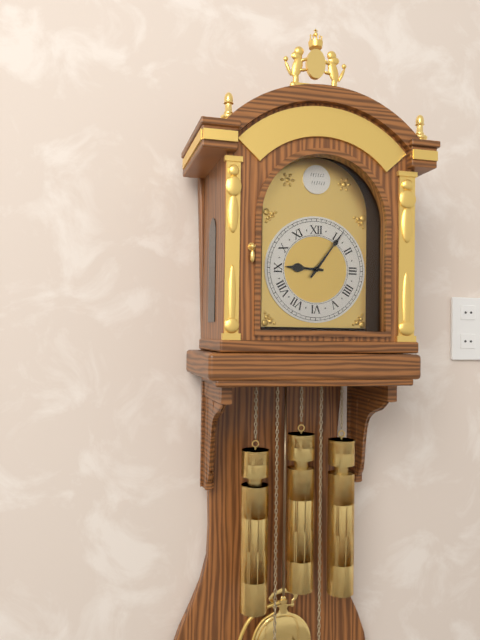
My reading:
{"hour": 9, "minute": 6}
